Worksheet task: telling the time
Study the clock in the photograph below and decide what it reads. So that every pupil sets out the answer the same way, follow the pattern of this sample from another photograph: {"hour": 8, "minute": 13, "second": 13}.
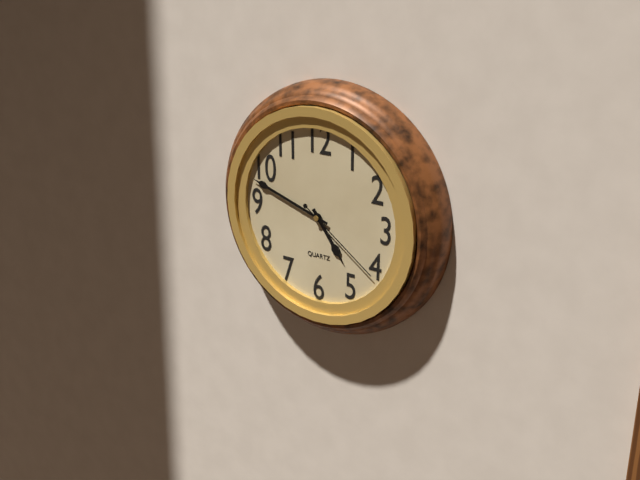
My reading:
{"hour": 4, "minute": 48, "second": 21}
